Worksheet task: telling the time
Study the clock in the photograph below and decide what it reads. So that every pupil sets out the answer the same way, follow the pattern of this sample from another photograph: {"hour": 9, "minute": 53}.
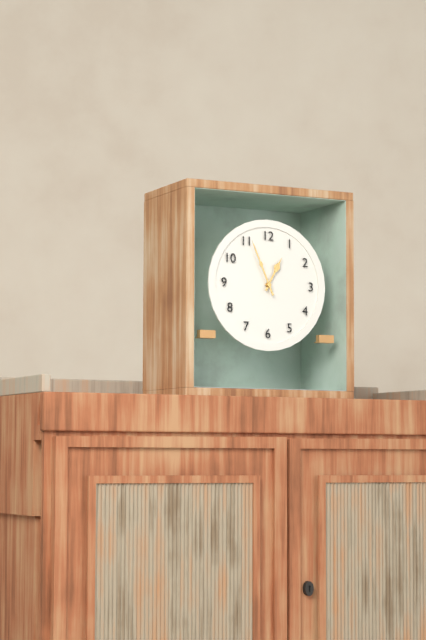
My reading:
{"hour": 12, "minute": 56}
